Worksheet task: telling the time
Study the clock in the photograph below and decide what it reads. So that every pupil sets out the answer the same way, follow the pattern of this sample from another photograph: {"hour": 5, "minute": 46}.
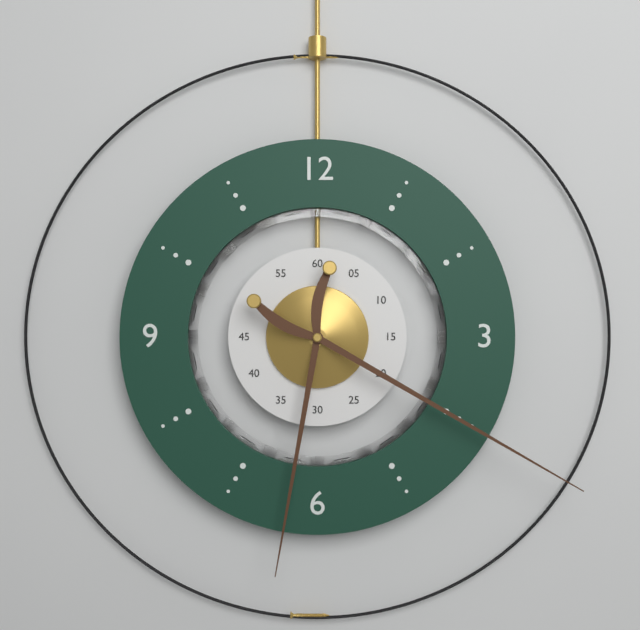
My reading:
{"hour": 6, "minute": 20}
